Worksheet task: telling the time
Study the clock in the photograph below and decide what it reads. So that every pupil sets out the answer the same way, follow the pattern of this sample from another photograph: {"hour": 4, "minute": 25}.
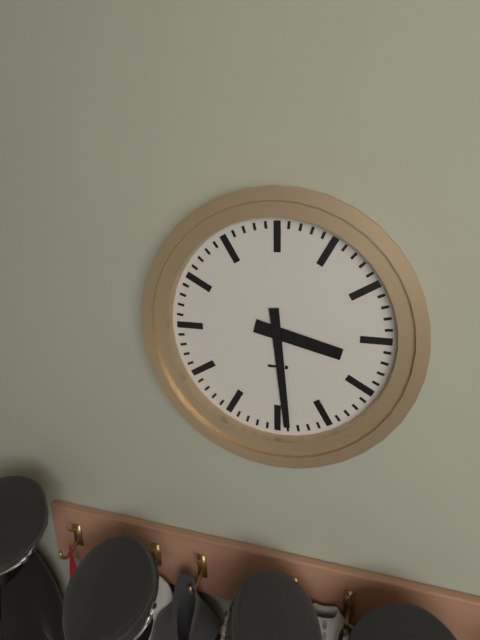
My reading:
{"hour": 3, "minute": 29}
